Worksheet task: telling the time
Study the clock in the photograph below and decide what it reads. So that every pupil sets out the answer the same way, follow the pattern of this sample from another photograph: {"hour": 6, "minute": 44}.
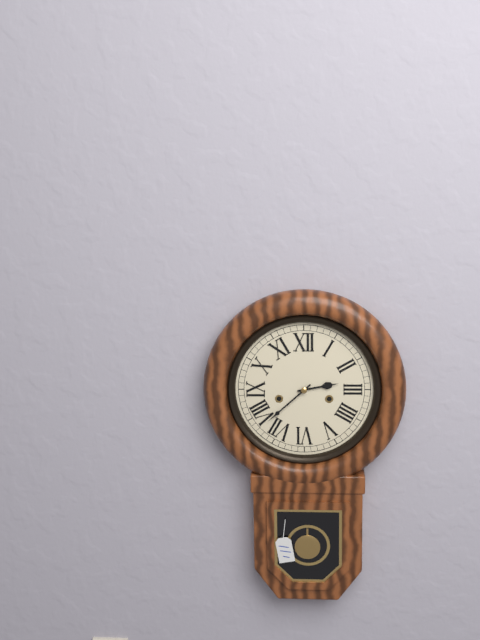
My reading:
{"hour": 2, "minute": 38}
